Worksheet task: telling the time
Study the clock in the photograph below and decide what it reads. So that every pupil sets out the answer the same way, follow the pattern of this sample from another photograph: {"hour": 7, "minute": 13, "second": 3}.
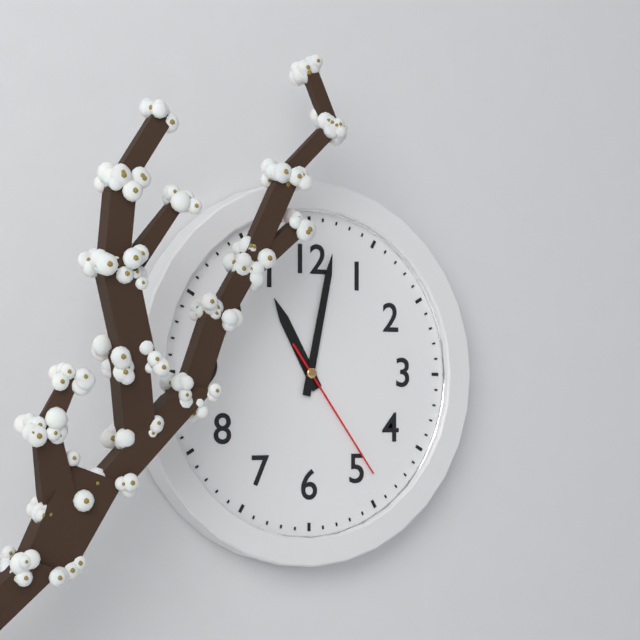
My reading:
{"hour": 11, "minute": 2, "second": 24}
